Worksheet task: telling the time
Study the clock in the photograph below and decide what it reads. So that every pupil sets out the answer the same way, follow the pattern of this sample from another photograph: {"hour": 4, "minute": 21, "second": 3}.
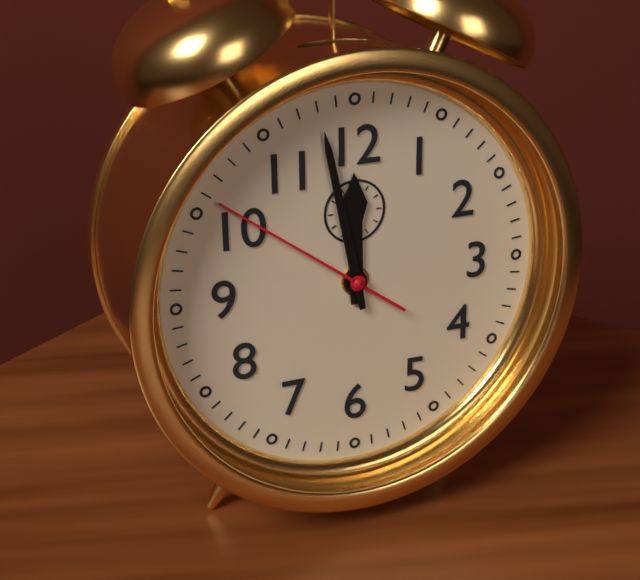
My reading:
{"hour": 11, "minute": 58, "second": 51}
